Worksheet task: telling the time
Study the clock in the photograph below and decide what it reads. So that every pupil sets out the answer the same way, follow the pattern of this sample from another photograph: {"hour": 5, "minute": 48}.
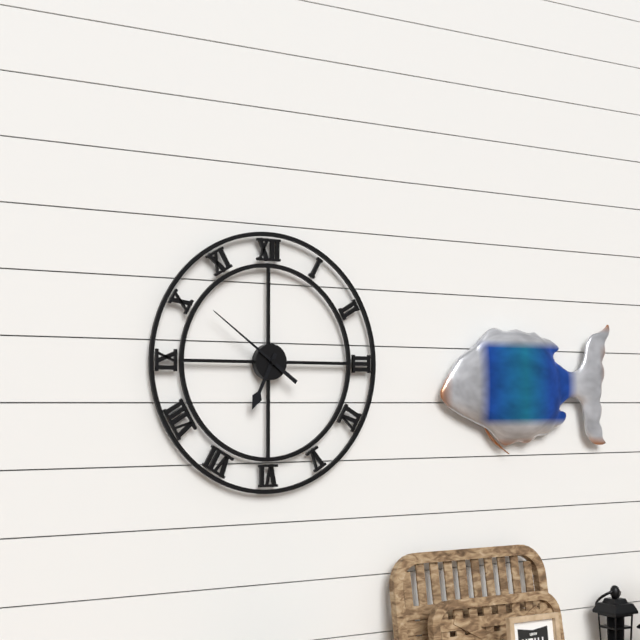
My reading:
{"hour": 6, "minute": 51}
